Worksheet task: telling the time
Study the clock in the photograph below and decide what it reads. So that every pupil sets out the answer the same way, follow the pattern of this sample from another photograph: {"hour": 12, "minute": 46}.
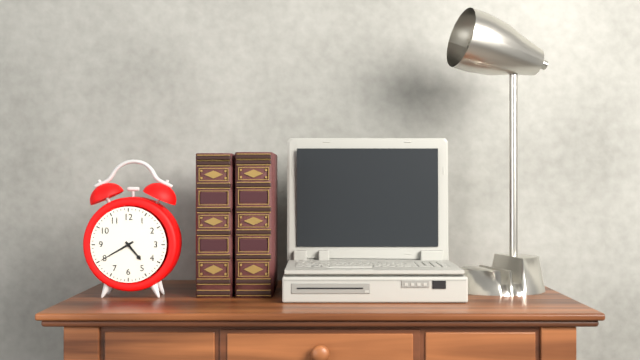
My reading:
{"hour": 4, "minute": 40}
